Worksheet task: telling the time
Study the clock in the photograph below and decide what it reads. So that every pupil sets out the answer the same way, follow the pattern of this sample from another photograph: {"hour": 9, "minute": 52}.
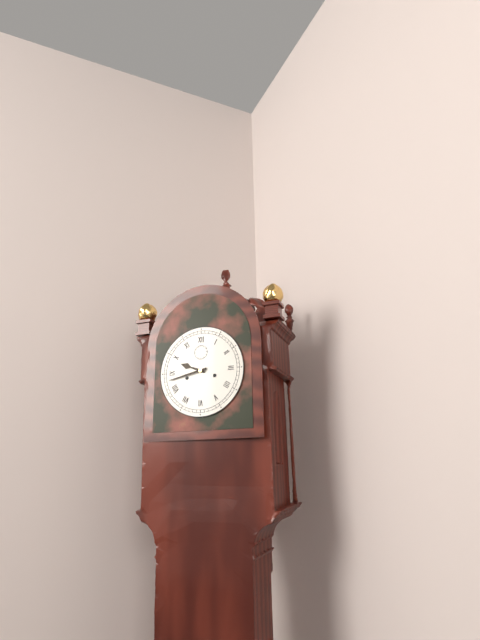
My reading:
{"hour": 9, "minute": 43}
